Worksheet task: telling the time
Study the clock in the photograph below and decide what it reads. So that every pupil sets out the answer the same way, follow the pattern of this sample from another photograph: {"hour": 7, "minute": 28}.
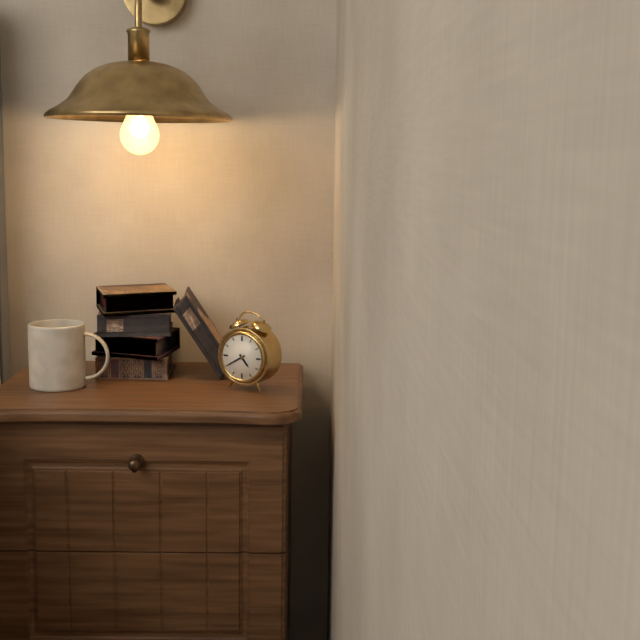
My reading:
{"hour": 4, "minute": 40}
